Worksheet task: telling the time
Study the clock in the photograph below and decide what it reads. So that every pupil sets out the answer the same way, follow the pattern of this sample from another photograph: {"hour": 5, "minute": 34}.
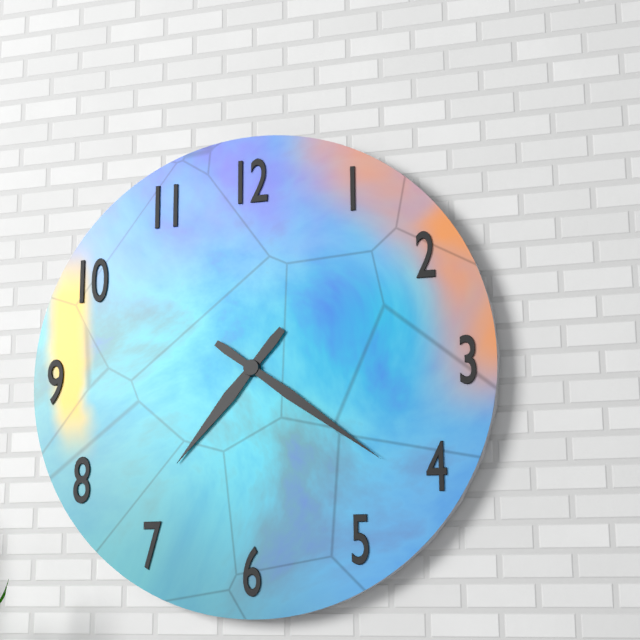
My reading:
{"hour": 7, "minute": 21}
